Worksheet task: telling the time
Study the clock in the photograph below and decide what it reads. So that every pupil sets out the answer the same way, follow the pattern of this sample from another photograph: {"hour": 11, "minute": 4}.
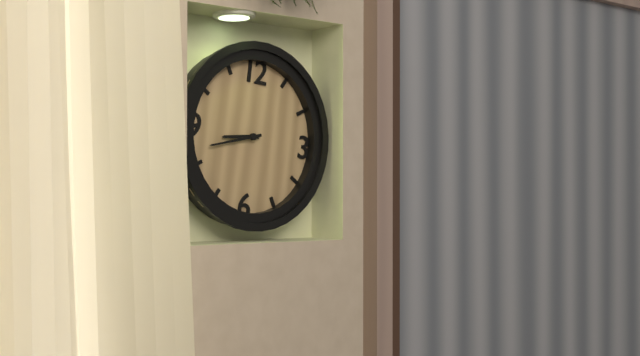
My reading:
{"hour": 8, "minute": 42}
